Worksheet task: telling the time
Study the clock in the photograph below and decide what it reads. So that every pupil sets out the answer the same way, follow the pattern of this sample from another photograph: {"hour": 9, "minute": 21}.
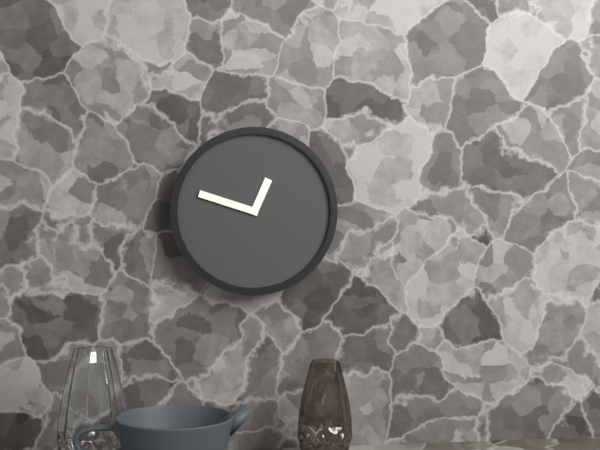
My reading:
{"hour": 12, "minute": 48}
